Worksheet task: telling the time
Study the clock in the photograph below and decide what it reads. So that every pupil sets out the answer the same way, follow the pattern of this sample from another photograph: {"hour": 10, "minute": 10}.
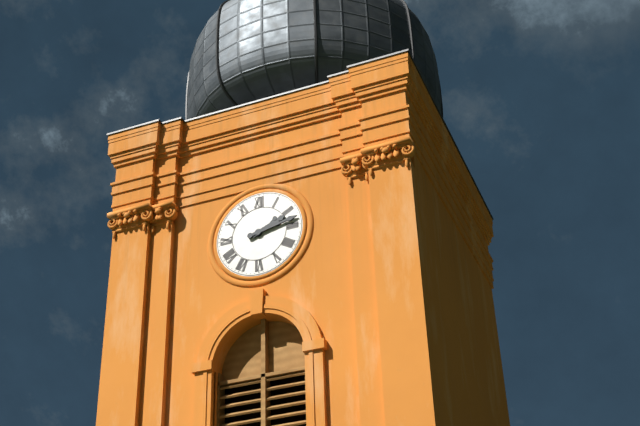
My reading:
{"hour": 2, "minute": 13}
